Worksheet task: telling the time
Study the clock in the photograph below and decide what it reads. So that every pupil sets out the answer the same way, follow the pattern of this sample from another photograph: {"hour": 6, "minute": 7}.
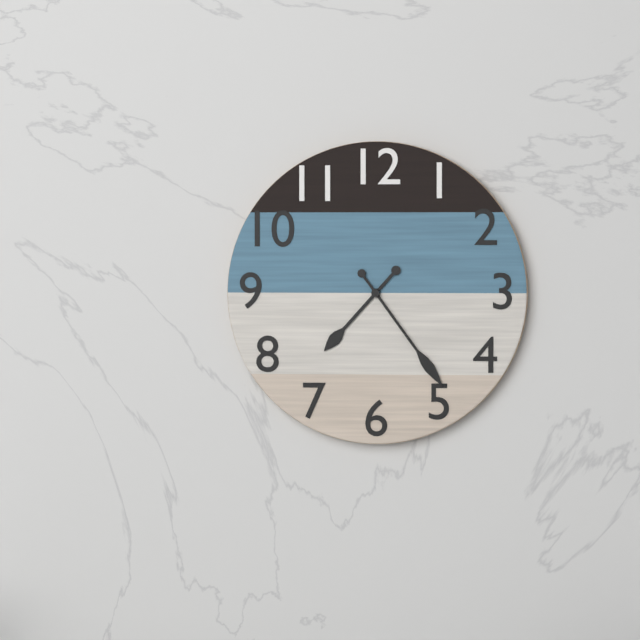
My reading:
{"hour": 7, "minute": 24}
